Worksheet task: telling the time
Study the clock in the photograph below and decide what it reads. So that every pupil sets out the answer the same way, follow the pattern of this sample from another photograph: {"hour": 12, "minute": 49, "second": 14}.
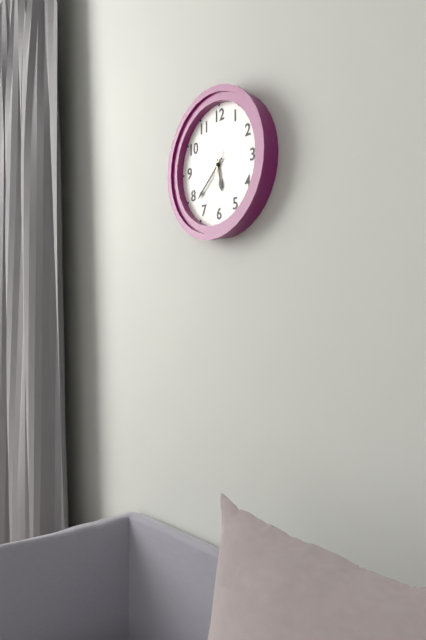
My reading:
{"hour": 5, "minute": 38, "second": 33}
